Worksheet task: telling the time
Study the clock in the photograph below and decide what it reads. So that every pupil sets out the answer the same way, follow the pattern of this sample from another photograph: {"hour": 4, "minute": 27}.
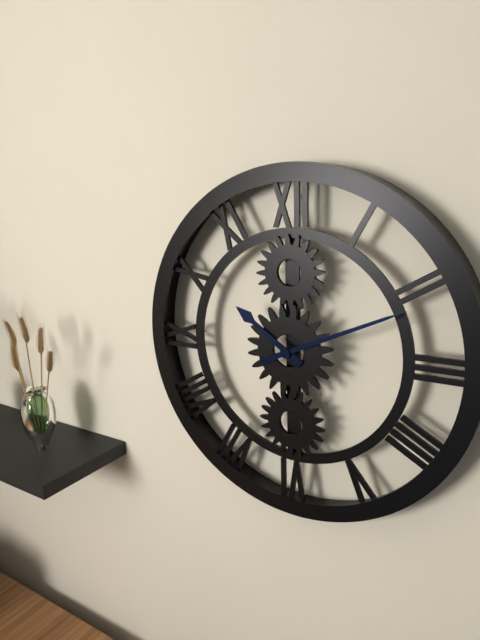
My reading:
{"hour": 10, "minute": 11}
